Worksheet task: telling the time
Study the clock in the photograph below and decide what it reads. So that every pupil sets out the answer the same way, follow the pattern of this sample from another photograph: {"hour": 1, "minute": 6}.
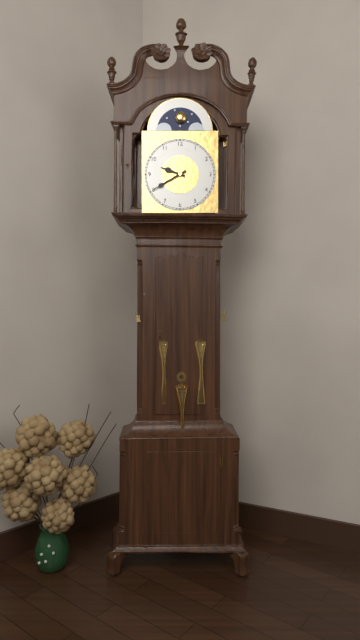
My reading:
{"hour": 9, "minute": 40}
